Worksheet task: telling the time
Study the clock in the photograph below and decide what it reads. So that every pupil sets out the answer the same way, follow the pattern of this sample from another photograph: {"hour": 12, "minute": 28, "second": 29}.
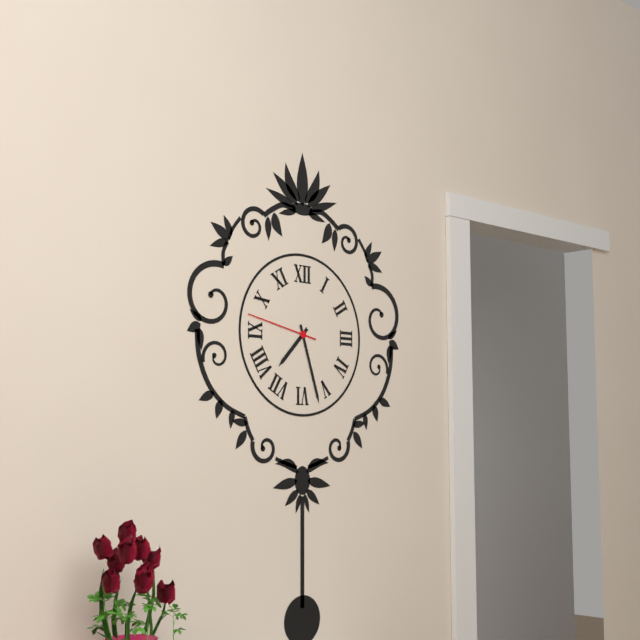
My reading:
{"hour": 7, "minute": 27, "second": 47}
